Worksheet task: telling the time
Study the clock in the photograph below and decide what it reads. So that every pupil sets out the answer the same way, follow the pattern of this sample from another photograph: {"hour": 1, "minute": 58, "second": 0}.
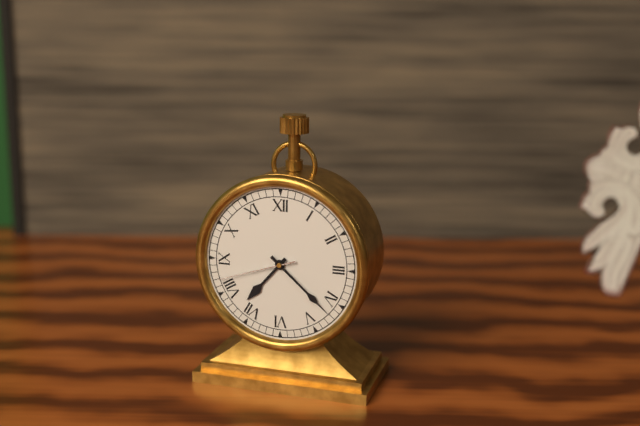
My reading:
{"hour": 7, "minute": 22, "second": 42}
